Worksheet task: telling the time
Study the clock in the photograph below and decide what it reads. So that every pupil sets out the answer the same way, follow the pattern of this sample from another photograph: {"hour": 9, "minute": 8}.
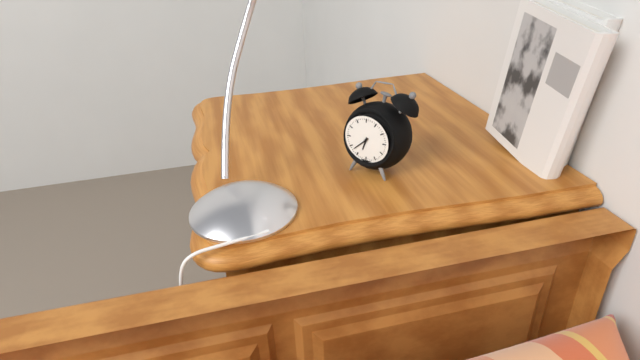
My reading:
{"hour": 6, "minute": 38}
